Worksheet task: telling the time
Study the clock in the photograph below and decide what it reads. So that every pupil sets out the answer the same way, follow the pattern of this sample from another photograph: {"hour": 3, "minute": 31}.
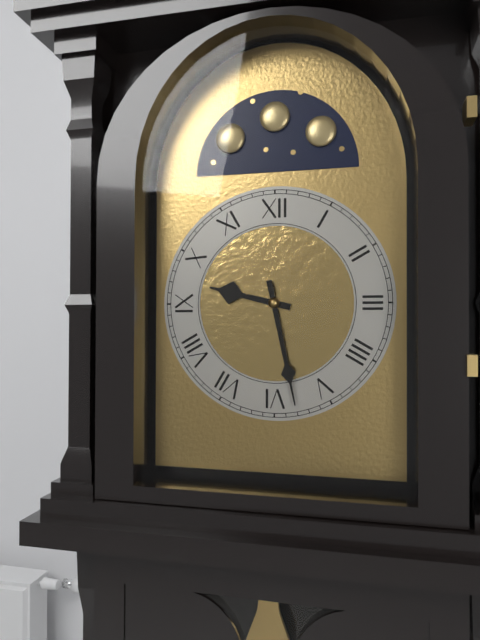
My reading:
{"hour": 9, "minute": 28}
